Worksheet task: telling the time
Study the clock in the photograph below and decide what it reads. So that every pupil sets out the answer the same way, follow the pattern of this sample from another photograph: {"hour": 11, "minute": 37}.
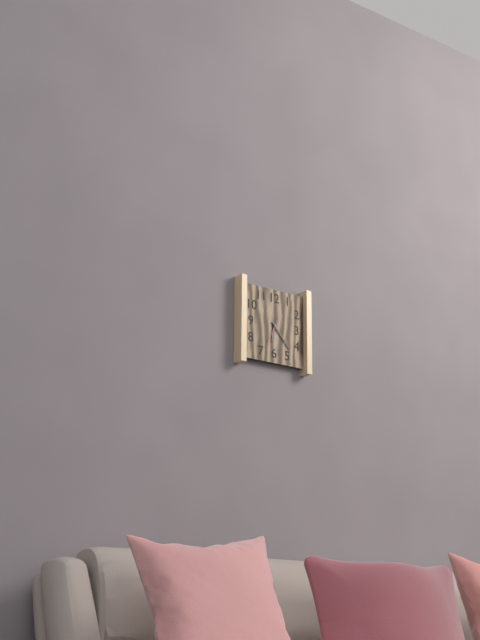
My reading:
{"hour": 6, "minute": 23}
